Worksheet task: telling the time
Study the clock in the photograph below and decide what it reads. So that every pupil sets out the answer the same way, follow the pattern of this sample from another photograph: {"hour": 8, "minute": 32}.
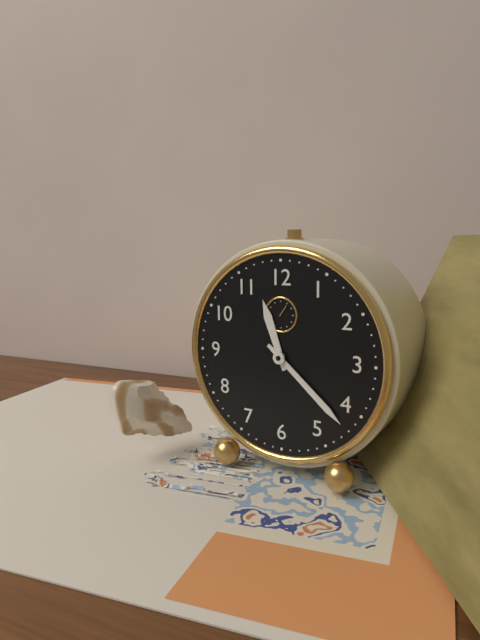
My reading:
{"hour": 11, "minute": 22}
